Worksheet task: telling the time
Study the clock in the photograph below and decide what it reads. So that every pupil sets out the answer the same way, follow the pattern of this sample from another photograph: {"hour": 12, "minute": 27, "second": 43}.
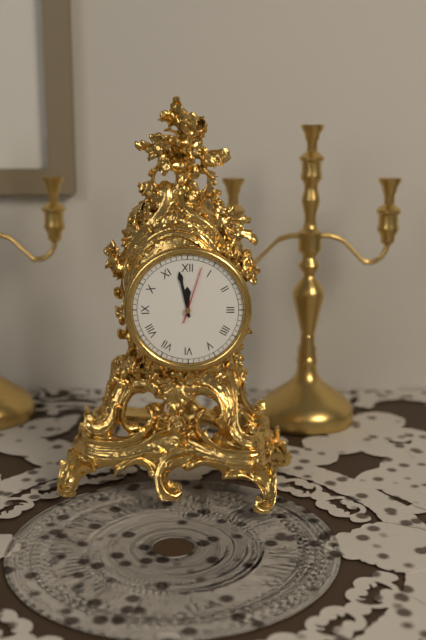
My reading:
{"hour": 11, "minute": 58, "second": 3}
